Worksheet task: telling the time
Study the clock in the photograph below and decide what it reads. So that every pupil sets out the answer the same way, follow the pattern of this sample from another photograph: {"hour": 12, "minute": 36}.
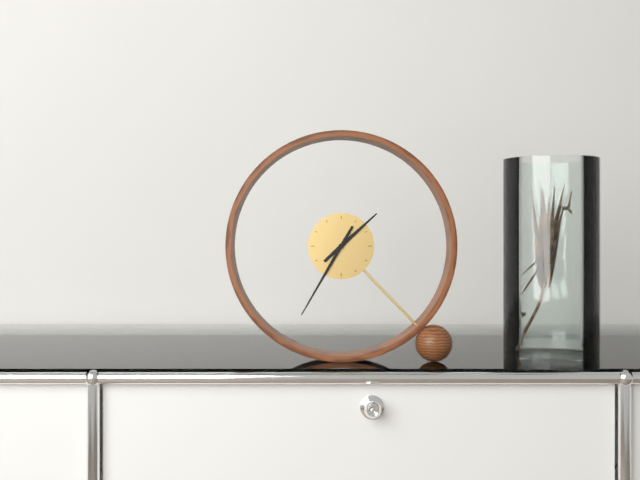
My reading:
{"hour": 1, "minute": 35}
